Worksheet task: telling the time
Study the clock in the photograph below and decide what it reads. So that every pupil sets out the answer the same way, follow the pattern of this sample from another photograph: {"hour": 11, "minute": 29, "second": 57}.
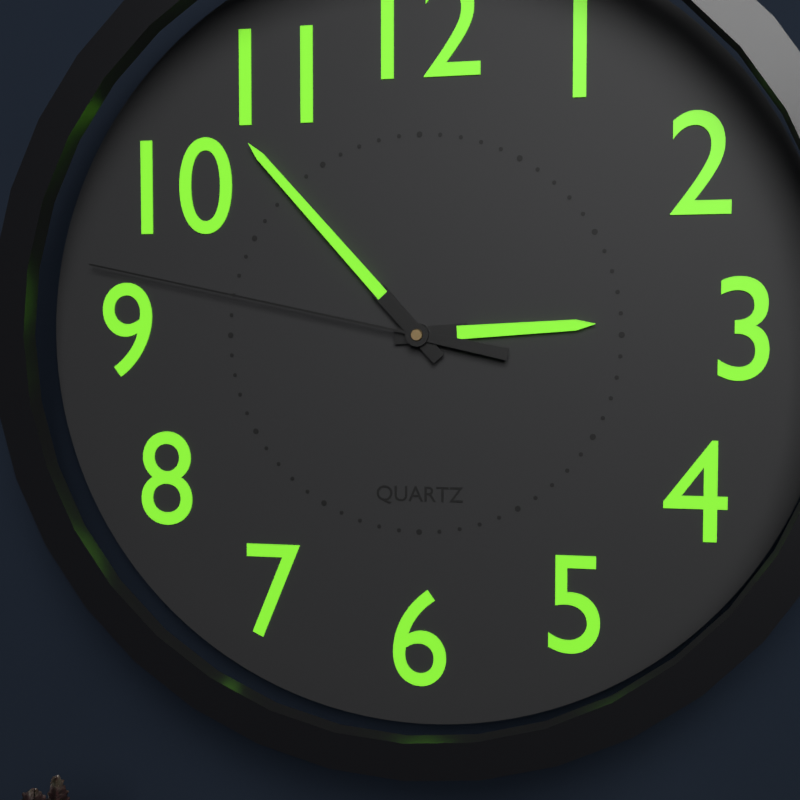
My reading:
{"hour": 2, "minute": 53, "second": 47}
